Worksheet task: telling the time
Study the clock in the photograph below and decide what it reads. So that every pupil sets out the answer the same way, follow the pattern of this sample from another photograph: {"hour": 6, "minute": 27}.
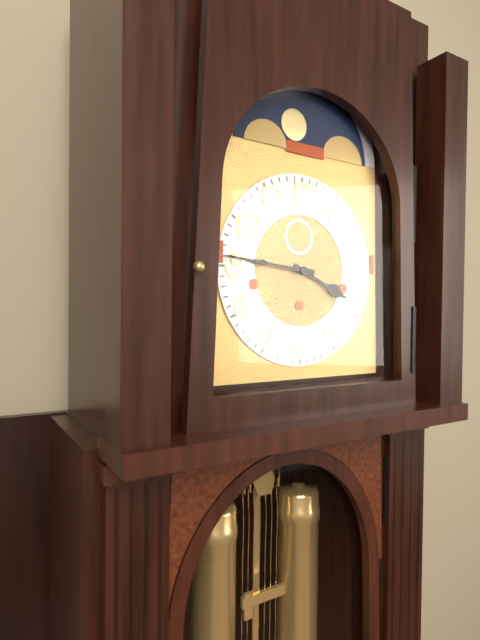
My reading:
{"hour": 3, "minute": 46}
